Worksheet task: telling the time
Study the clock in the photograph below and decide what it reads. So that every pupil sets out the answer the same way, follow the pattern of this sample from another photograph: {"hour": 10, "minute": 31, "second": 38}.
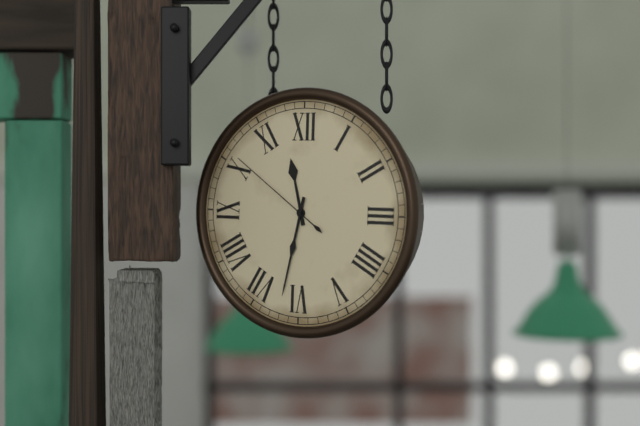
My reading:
{"hour": 11, "minute": 32, "second": 51}
